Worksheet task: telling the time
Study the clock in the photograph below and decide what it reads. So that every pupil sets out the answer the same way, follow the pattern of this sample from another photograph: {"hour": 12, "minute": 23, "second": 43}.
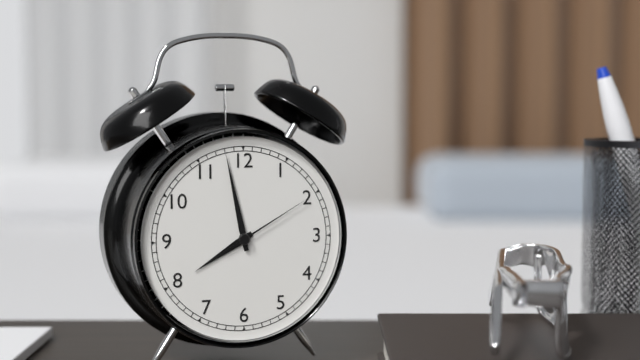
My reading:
{"hour": 7, "minute": 58, "second": 10}
